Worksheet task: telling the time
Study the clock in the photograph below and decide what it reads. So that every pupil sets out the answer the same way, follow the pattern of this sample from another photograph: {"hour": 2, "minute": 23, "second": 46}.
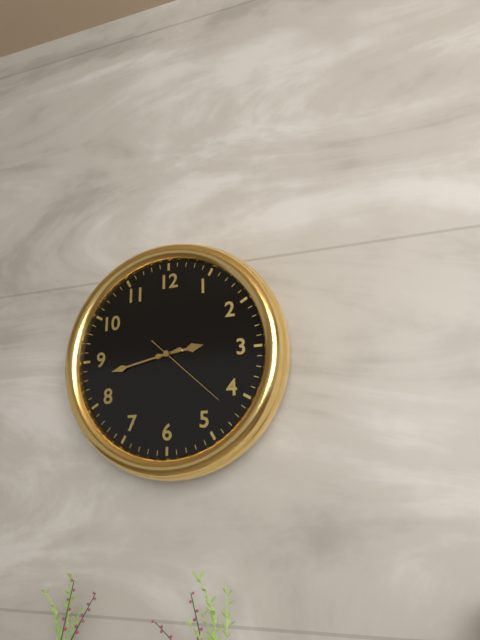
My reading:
{"hour": 2, "minute": 43, "second": 22}
